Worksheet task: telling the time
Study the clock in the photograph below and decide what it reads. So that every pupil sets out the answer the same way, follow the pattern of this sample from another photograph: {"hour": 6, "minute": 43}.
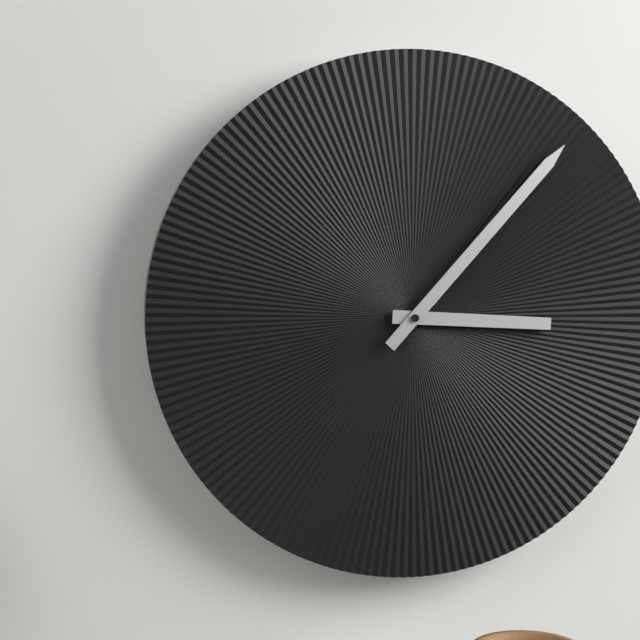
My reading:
{"hour": 3, "minute": 7}
